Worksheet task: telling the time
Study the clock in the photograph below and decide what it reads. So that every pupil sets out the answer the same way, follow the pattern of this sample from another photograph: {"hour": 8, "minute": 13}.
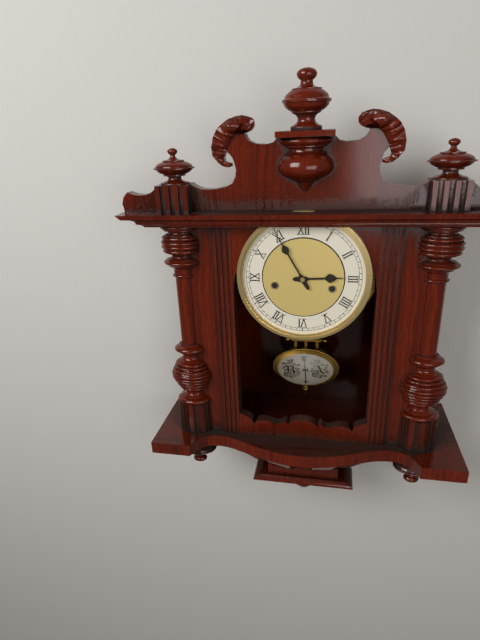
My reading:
{"hour": 2, "minute": 55}
